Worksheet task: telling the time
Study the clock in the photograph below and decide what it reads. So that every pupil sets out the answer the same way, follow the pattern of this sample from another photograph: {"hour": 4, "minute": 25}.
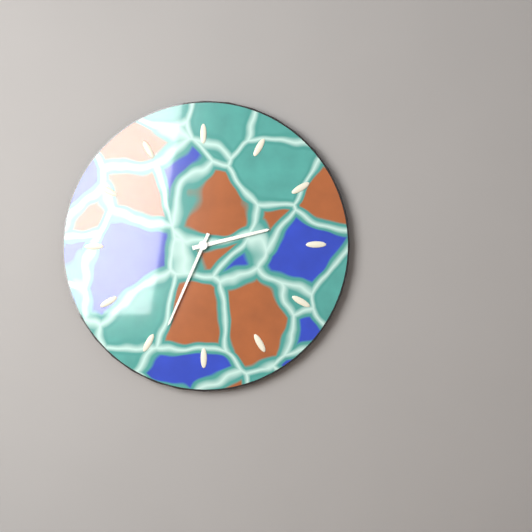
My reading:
{"hour": 2, "minute": 34}
